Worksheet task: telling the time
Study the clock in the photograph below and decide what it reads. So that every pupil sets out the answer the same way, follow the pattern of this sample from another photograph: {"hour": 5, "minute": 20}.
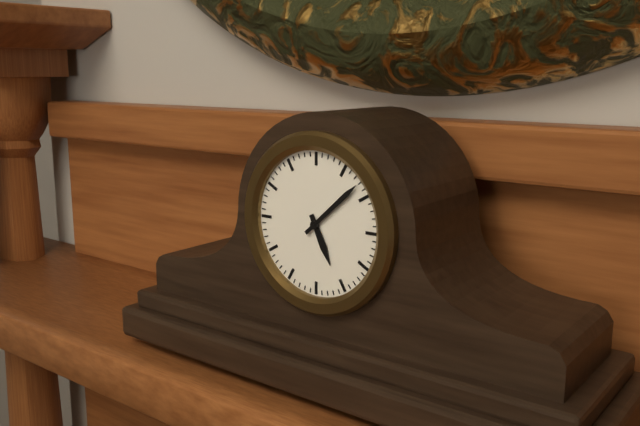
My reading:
{"hour": 5, "minute": 8}
